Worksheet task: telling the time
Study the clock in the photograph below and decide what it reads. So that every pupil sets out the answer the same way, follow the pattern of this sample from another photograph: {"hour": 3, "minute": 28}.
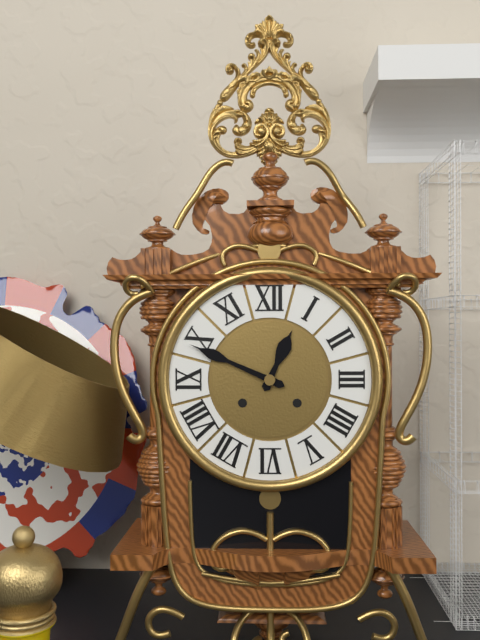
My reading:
{"hour": 12, "minute": 49}
